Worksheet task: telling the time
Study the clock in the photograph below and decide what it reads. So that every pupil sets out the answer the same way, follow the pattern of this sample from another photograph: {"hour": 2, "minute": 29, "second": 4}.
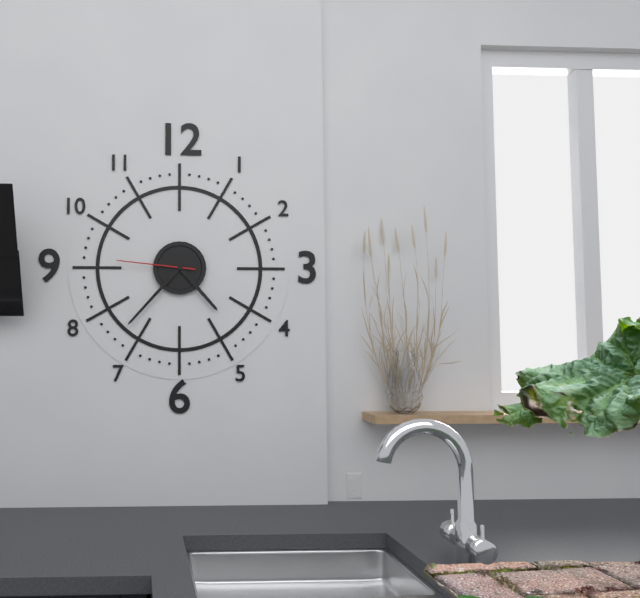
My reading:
{"hour": 4, "minute": 37, "second": 46}
